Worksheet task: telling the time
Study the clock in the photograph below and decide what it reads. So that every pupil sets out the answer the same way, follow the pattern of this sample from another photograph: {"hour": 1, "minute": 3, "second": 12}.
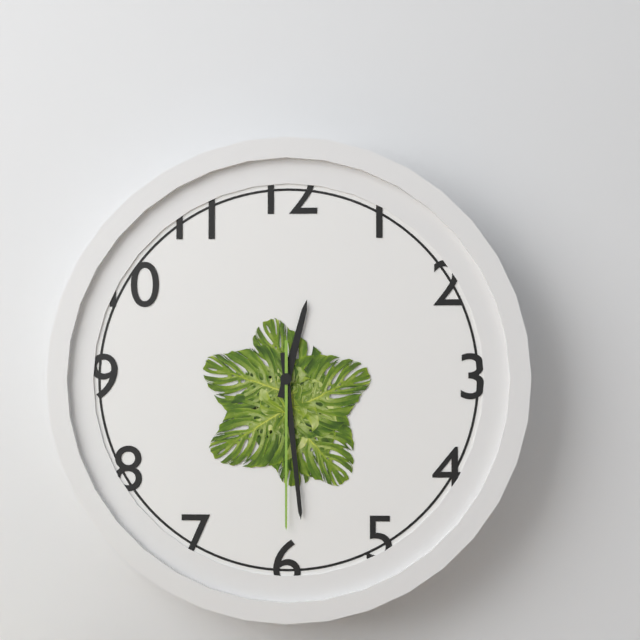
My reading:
{"hour": 12, "minute": 29, "second": 30}
